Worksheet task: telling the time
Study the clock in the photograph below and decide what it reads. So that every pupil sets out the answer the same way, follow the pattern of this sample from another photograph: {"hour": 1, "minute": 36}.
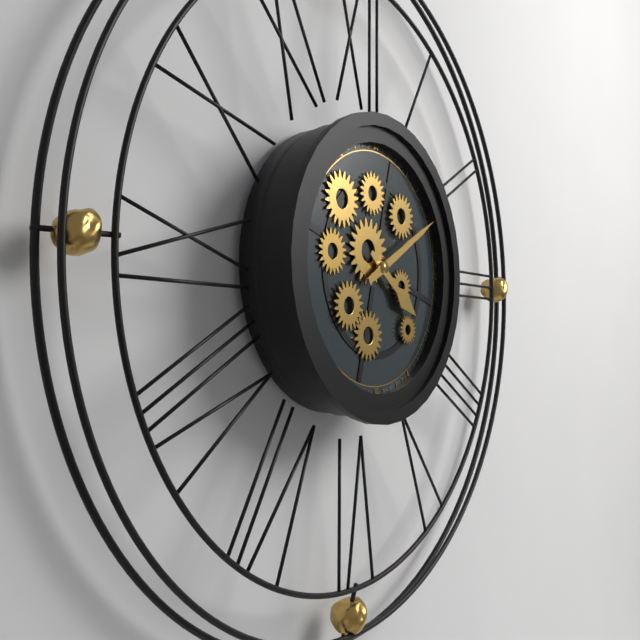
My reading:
{"hour": 4, "minute": 10}
